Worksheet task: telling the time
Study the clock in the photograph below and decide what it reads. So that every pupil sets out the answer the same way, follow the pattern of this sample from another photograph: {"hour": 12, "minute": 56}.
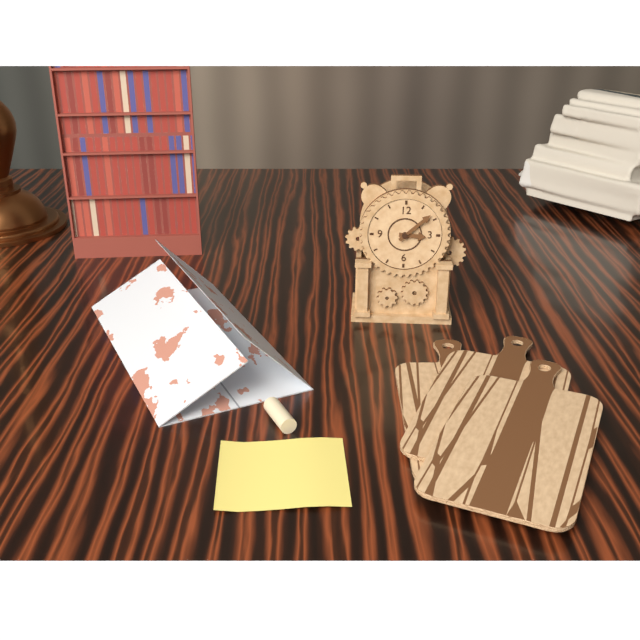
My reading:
{"hour": 3, "minute": 8}
